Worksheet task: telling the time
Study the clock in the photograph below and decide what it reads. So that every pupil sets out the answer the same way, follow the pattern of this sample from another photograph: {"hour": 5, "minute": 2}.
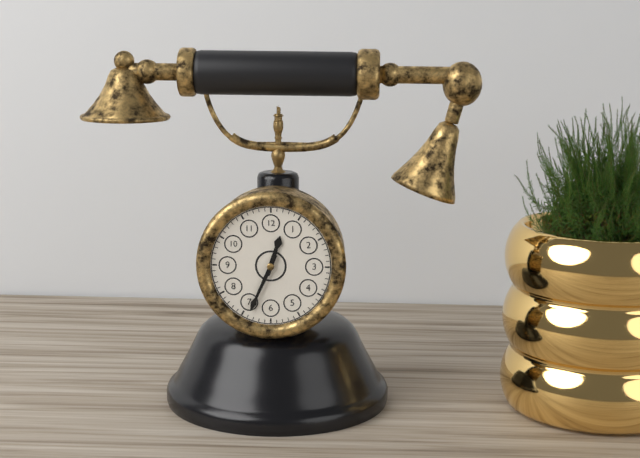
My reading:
{"hour": 12, "minute": 34}
